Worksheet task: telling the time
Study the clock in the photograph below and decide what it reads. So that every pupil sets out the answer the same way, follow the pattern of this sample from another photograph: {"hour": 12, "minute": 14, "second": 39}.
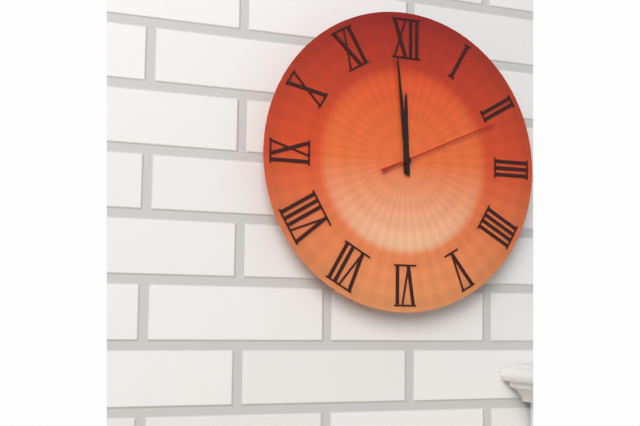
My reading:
{"hour": 11, "minute": 59, "second": 11}
